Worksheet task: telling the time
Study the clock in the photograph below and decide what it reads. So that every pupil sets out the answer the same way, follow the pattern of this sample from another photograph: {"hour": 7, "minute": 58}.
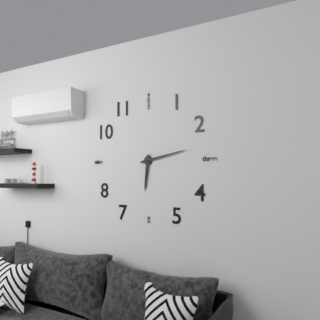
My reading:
{"hour": 6, "minute": 13}
